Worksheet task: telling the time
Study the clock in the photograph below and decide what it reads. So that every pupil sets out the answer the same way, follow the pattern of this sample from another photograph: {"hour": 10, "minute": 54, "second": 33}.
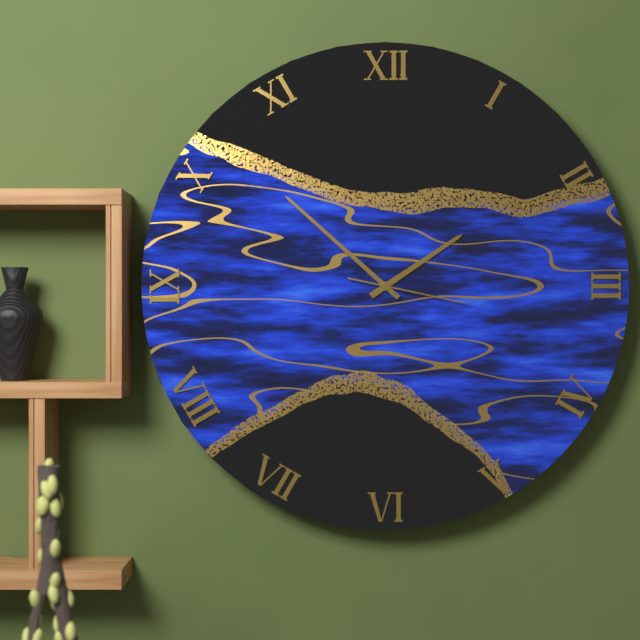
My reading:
{"hour": 1, "minute": 52, "second": 17}
